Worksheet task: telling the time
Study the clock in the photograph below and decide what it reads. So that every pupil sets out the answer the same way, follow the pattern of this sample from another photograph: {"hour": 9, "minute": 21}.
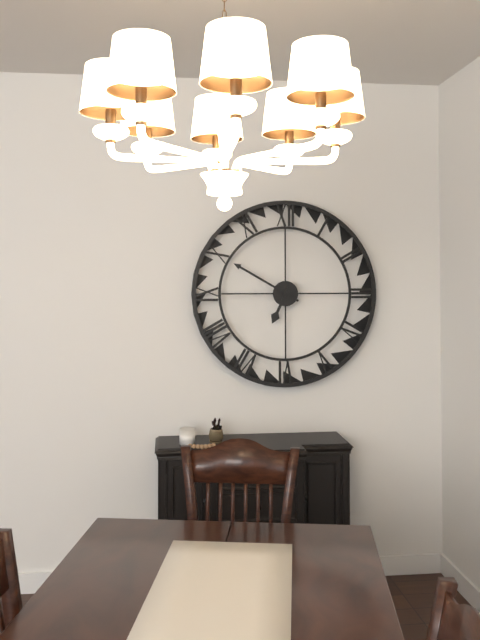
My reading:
{"hour": 6, "minute": 50}
